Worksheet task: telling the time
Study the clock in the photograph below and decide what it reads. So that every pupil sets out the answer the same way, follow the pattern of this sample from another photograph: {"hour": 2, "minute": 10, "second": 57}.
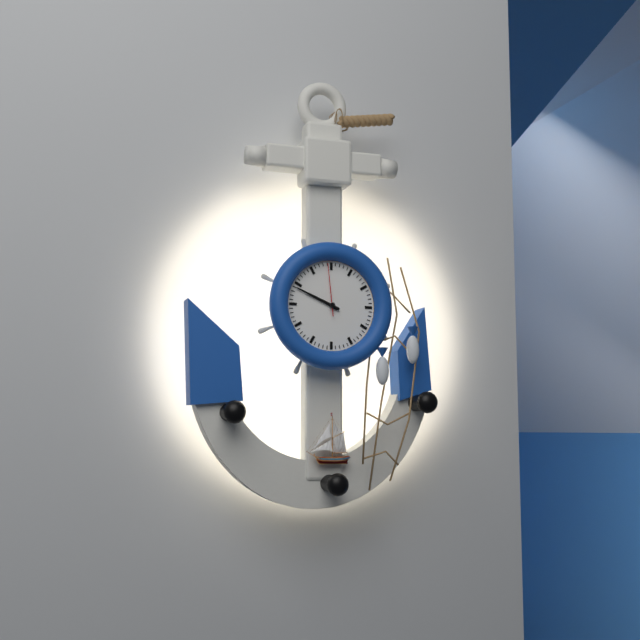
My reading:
{"hour": 9, "minute": 49, "second": 59}
